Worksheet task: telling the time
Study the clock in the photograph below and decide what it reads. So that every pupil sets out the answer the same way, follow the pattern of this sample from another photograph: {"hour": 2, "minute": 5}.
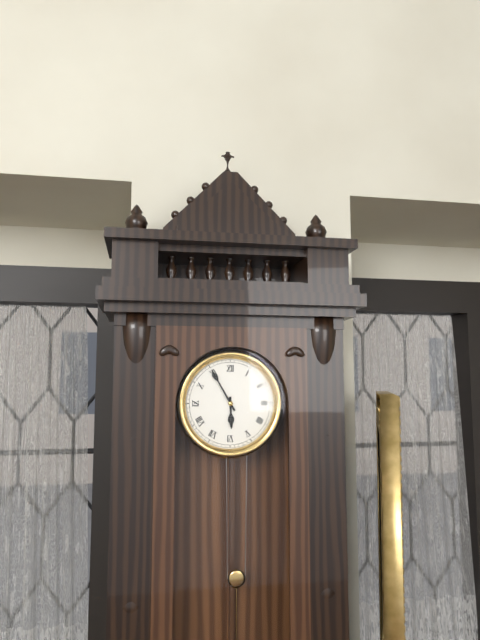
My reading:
{"hour": 5, "minute": 55}
